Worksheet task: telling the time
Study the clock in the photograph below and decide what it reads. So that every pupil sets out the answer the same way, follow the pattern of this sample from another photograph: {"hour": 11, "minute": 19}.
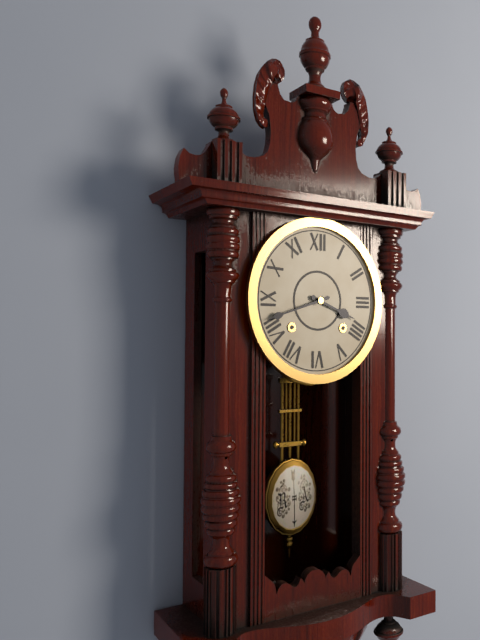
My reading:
{"hour": 3, "minute": 42}
